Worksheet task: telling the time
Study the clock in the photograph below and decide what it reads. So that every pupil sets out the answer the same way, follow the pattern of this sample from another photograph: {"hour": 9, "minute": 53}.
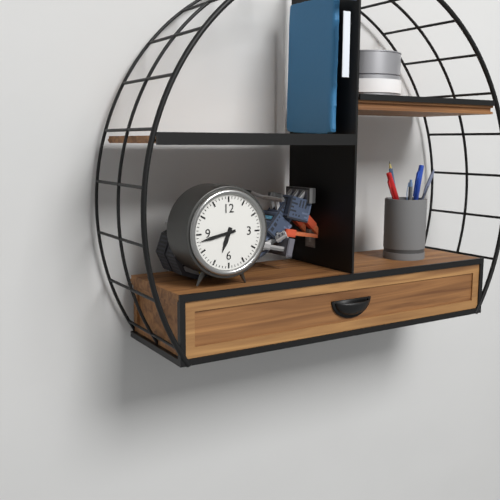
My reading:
{"hour": 6, "minute": 43}
